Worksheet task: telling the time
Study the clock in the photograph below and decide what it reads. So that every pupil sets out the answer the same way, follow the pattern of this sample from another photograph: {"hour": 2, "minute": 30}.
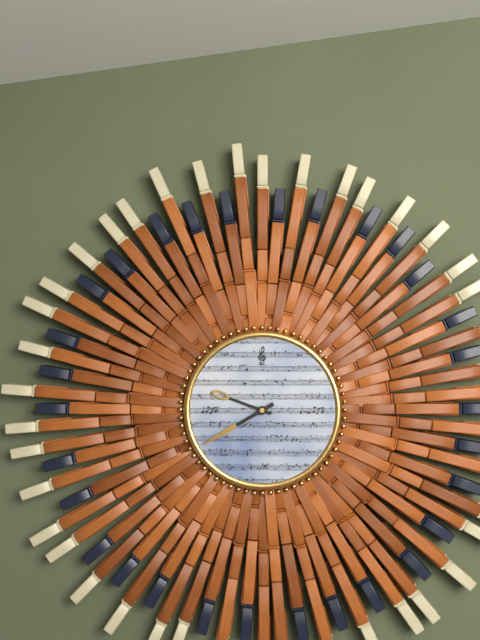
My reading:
{"hour": 9, "minute": 40}
